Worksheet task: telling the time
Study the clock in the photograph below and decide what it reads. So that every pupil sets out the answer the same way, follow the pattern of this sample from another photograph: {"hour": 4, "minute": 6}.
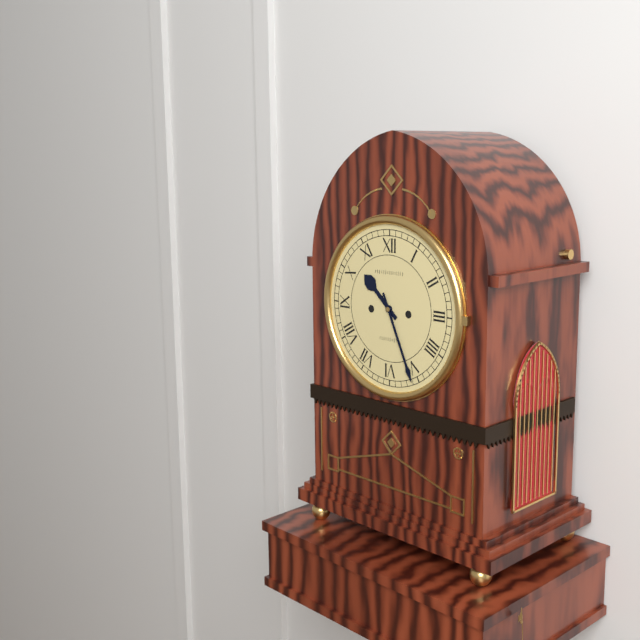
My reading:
{"hour": 10, "minute": 26}
